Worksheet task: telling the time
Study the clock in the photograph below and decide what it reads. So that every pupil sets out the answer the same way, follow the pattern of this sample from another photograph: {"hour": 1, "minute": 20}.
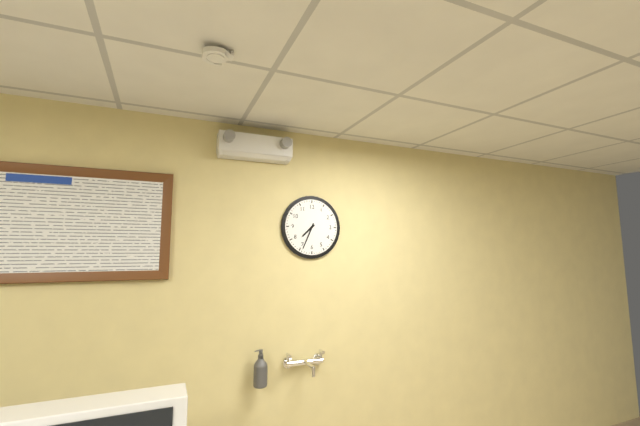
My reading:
{"hour": 7, "minute": 34}
